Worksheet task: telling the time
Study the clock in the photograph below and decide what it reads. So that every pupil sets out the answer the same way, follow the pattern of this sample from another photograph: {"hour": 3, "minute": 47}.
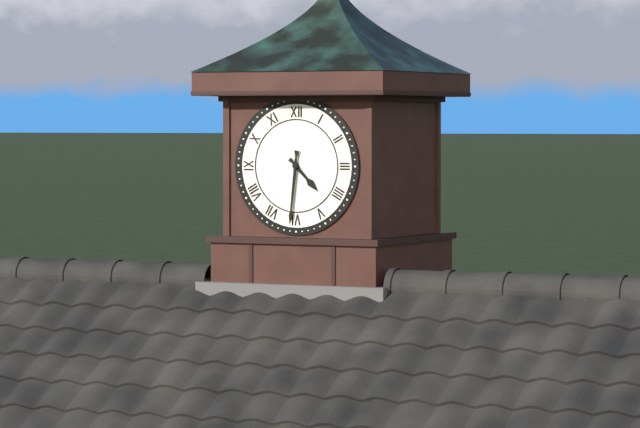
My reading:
{"hour": 4, "minute": 31}
